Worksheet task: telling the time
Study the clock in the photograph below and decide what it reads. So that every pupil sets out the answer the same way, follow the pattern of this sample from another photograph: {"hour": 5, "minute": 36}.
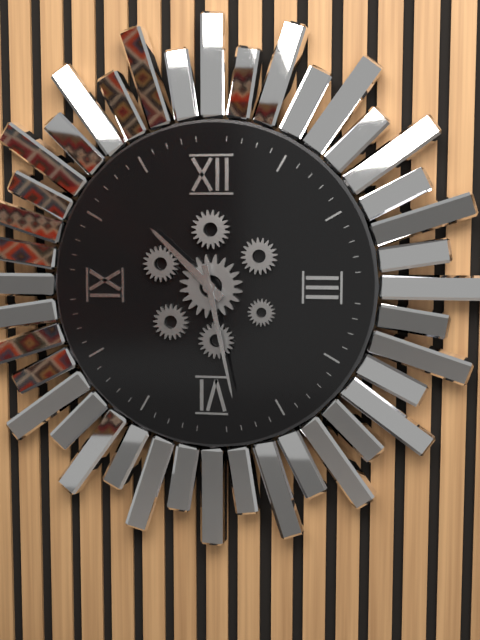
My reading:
{"hour": 10, "minute": 28}
